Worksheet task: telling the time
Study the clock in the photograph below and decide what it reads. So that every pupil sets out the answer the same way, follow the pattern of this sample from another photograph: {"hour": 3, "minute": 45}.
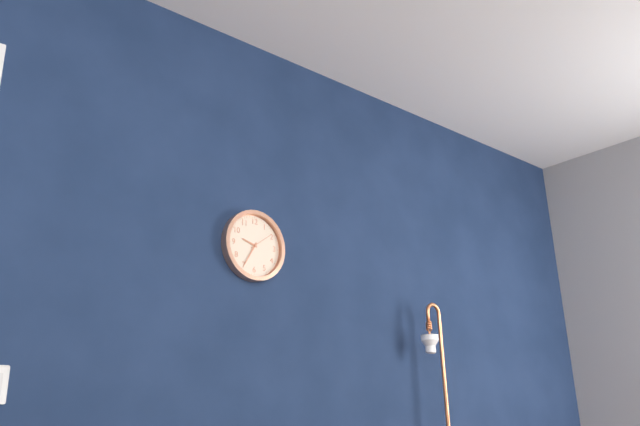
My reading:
{"hour": 9, "minute": 35}
